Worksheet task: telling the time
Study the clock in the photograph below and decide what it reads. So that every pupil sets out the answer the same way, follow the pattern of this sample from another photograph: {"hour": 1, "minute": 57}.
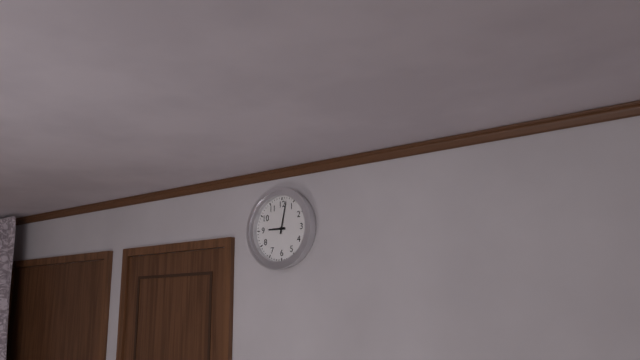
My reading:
{"hour": 9, "minute": 2}
